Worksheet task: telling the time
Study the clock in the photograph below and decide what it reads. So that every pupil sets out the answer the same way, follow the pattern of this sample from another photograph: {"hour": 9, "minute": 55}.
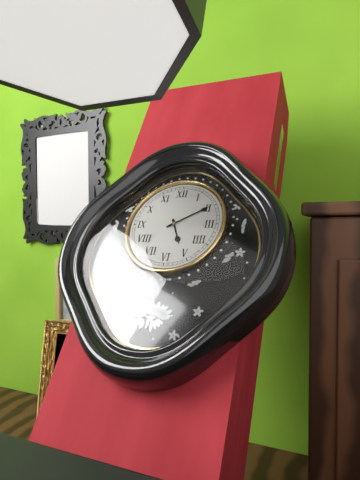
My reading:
{"hour": 5, "minute": 10}
